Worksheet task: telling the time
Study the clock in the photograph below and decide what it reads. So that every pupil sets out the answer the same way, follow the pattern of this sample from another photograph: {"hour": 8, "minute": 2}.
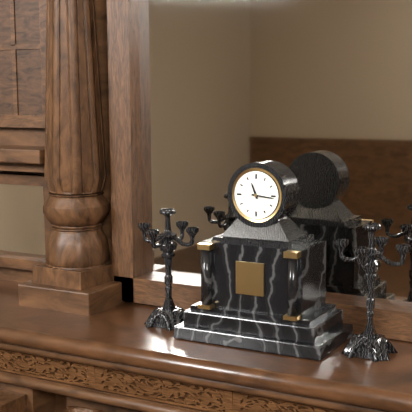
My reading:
{"hour": 11, "minute": 16}
